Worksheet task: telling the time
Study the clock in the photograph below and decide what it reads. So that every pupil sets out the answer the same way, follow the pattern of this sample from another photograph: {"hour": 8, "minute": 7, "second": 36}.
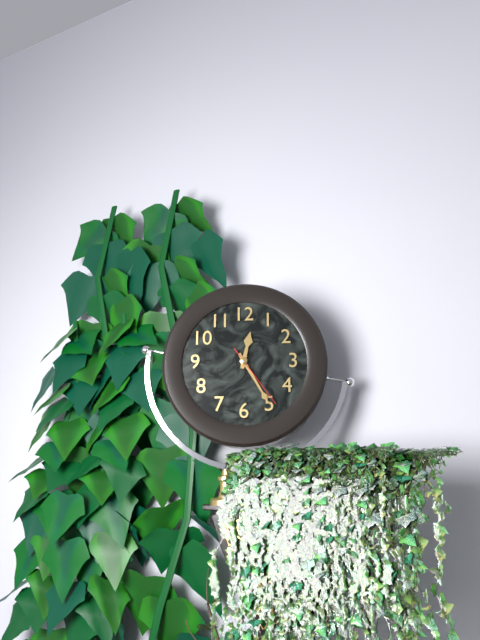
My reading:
{"hour": 12, "minute": 25, "second": 24}
